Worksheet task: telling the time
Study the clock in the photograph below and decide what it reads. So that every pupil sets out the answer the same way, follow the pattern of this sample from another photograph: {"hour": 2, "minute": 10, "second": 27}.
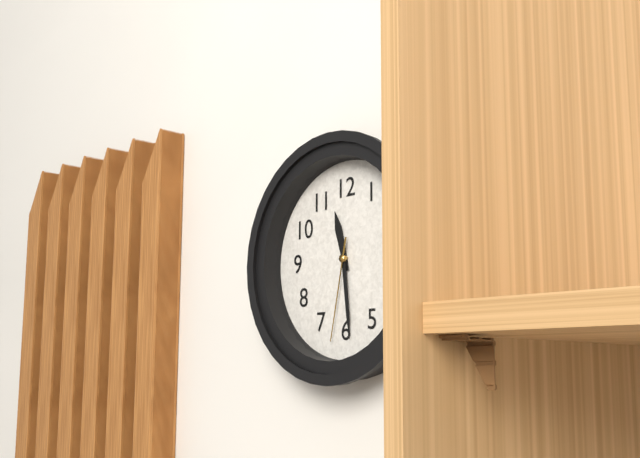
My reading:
{"hour": 11, "minute": 29, "second": 32}
